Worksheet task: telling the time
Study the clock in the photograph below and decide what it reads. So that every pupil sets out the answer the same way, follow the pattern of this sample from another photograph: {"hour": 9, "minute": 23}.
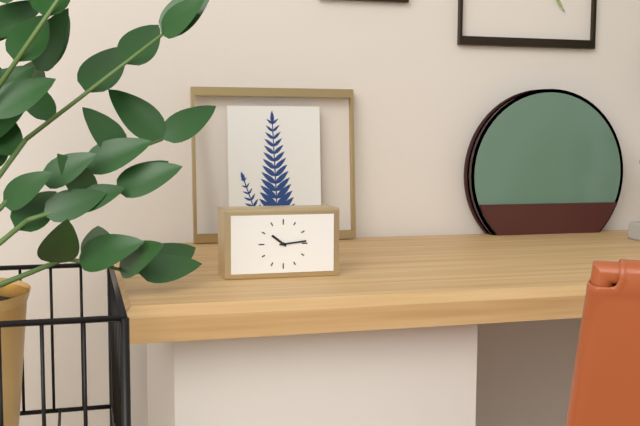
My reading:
{"hour": 10, "minute": 14}
